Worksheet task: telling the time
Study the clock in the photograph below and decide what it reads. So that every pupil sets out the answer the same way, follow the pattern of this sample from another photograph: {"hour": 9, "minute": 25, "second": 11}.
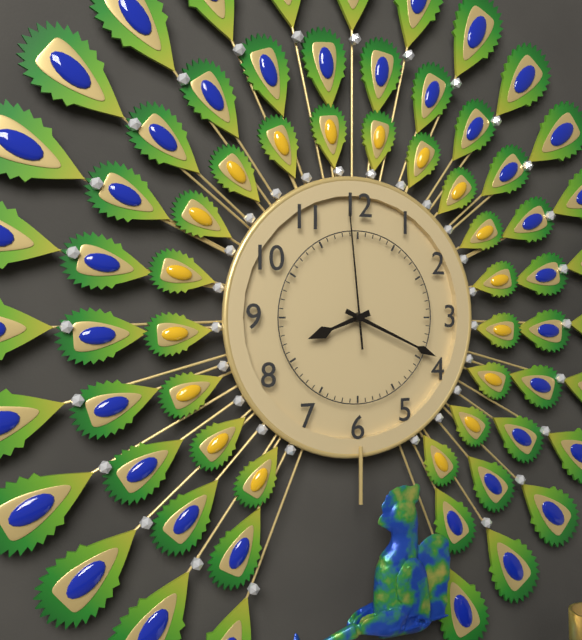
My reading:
{"hour": 8, "minute": 19, "second": 59}
